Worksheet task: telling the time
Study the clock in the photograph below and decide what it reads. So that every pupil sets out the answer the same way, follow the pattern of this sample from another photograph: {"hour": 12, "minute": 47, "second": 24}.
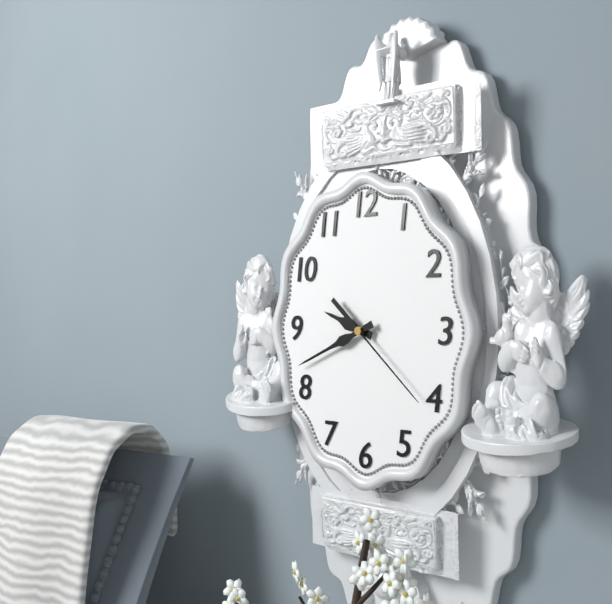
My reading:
{"hour": 9, "minute": 41, "second": 22}
